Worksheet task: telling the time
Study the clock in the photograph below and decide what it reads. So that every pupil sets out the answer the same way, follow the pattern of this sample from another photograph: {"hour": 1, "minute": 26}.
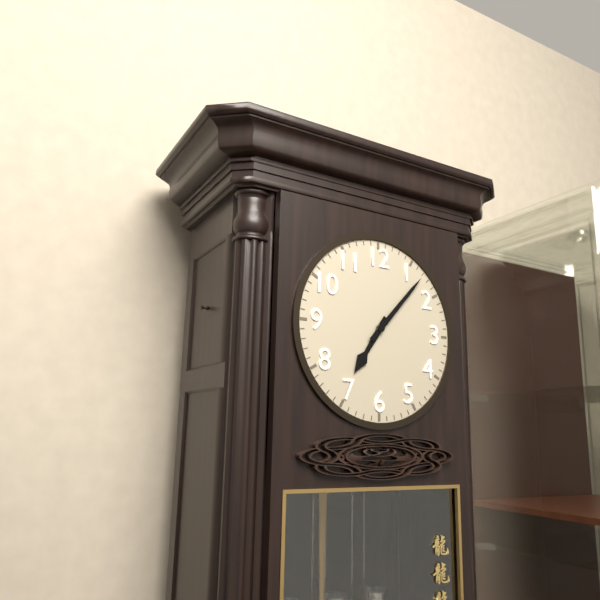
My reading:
{"hour": 7, "minute": 7}
